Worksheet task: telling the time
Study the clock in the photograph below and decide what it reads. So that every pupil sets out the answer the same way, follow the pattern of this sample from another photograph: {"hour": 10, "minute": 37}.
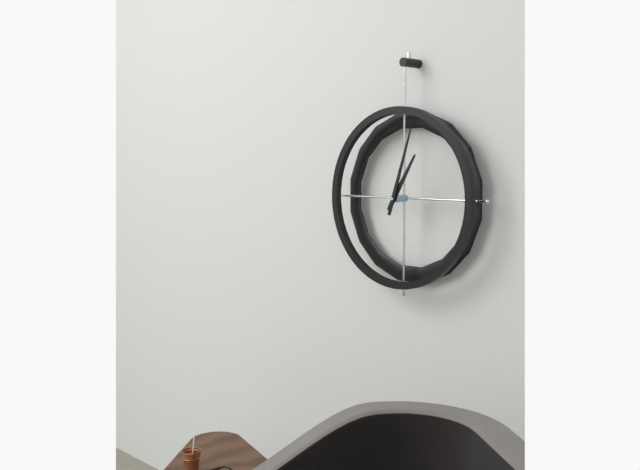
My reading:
{"hour": 1, "minute": 3}
